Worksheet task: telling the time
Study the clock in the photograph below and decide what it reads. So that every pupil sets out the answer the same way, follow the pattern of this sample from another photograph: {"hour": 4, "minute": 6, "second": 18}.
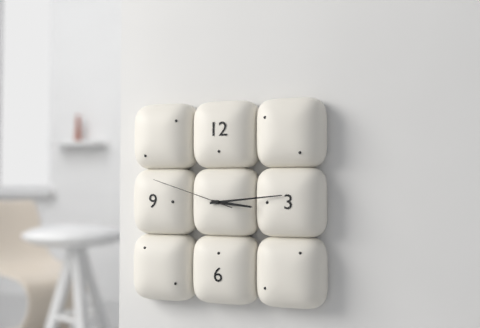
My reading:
{"hour": 3, "minute": 14, "second": 48}
